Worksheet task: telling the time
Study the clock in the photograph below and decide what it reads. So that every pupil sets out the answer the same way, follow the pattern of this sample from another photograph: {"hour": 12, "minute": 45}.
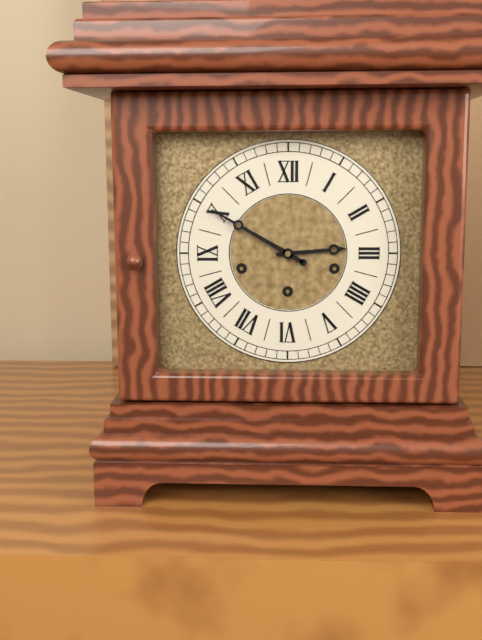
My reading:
{"hour": 2, "minute": 50}
